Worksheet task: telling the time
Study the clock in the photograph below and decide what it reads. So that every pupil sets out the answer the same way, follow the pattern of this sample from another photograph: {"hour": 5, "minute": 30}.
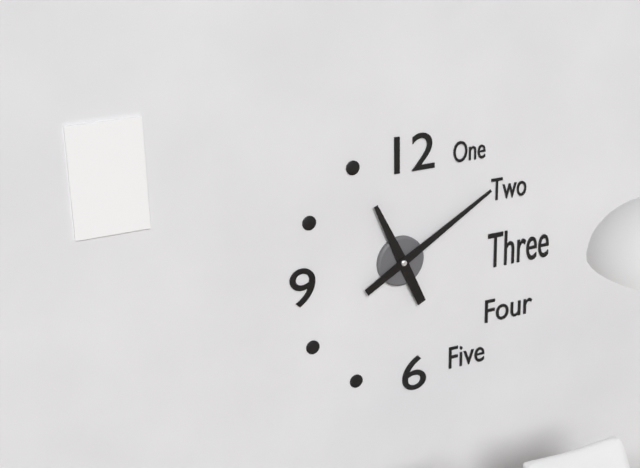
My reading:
{"hour": 11, "minute": 10}
